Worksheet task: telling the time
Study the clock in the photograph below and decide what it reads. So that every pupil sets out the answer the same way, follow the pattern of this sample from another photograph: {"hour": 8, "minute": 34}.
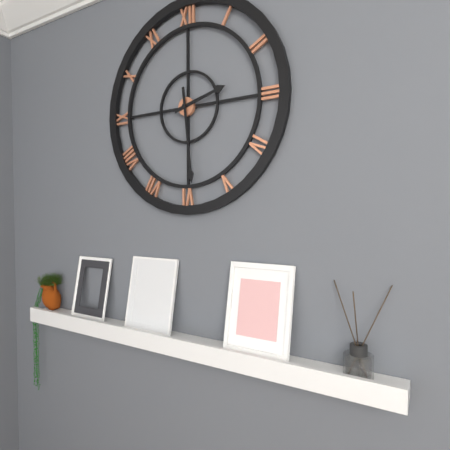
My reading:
{"hour": 2, "minute": 29}
